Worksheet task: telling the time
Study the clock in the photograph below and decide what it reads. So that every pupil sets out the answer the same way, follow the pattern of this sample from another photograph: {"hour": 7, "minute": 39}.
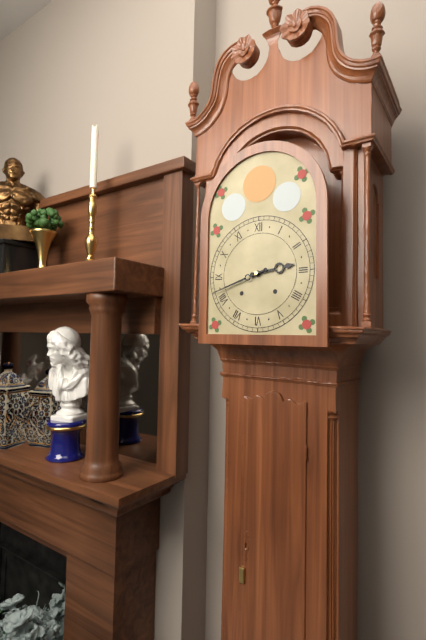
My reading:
{"hour": 2, "minute": 42}
